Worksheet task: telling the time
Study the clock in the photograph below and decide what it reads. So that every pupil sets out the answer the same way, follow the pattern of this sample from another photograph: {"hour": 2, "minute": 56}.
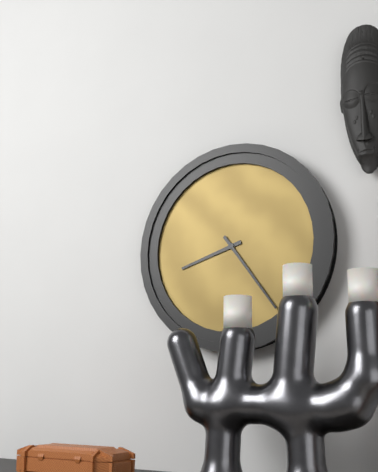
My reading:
{"hour": 8, "minute": 24}
